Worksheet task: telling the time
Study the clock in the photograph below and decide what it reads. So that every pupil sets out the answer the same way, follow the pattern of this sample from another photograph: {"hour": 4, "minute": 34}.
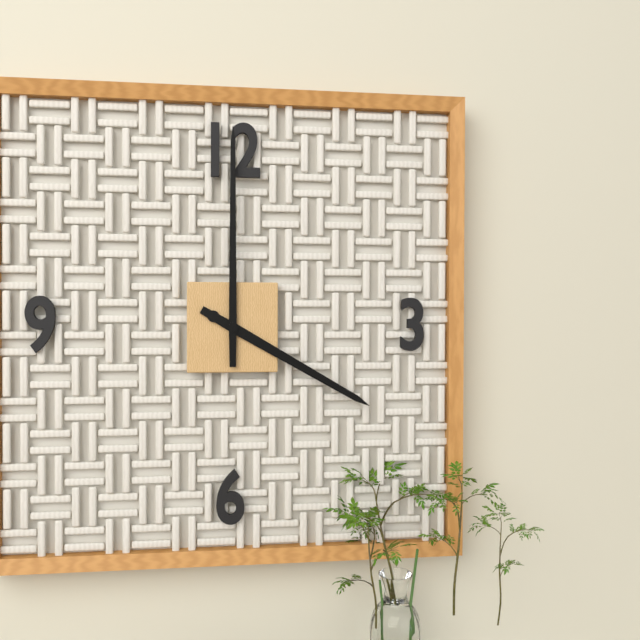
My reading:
{"hour": 4, "minute": 0}
